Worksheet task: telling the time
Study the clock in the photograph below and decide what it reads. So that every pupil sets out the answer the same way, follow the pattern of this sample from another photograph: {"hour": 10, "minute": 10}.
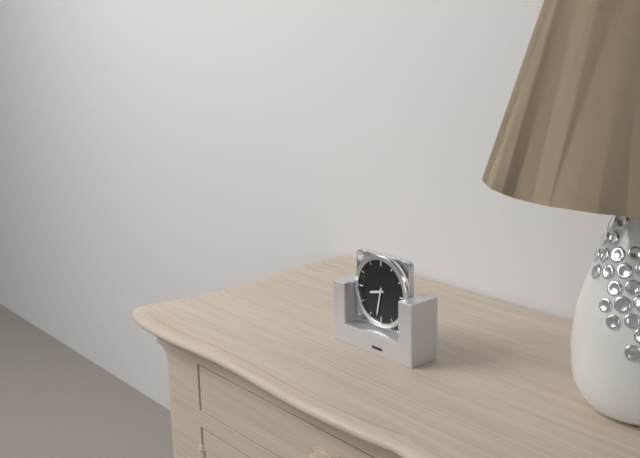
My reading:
{"hour": 8, "minute": 32}
